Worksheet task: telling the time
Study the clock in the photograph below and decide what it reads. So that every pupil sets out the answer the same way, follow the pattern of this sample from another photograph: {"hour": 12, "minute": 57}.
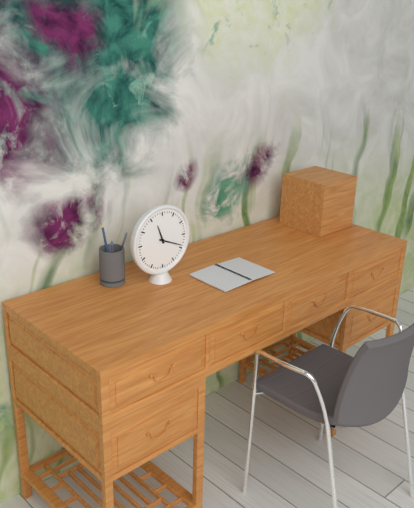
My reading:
{"hour": 11, "minute": 19}
